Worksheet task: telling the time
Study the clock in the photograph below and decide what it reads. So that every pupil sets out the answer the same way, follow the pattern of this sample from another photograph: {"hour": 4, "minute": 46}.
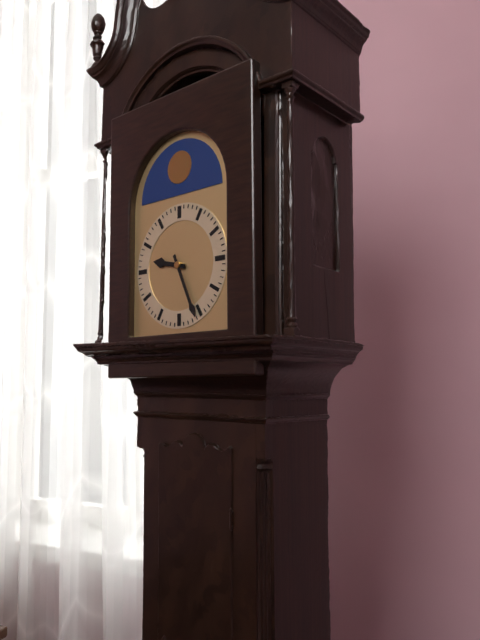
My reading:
{"hour": 9, "minute": 26}
